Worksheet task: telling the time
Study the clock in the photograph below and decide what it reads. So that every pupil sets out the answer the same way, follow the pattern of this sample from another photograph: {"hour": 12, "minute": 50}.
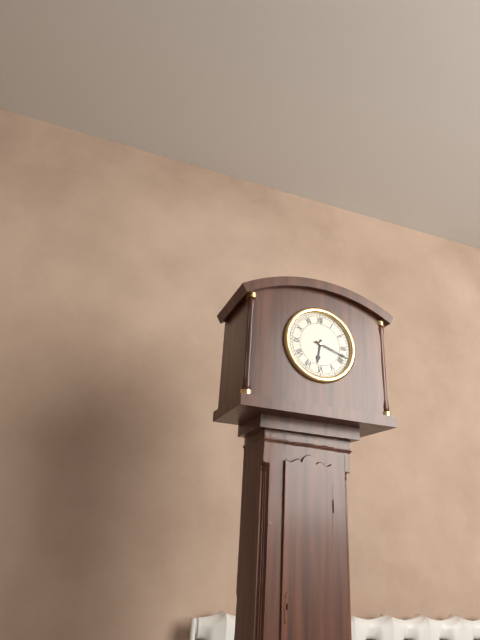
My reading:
{"hour": 6, "minute": 18}
